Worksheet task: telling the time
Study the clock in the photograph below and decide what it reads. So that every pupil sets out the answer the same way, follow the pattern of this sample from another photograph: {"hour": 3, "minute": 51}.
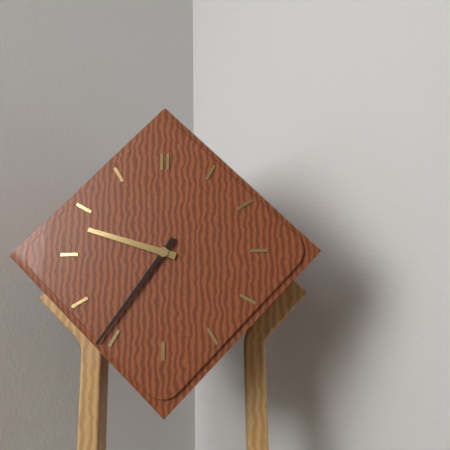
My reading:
{"hour": 9, "minute": 36}
